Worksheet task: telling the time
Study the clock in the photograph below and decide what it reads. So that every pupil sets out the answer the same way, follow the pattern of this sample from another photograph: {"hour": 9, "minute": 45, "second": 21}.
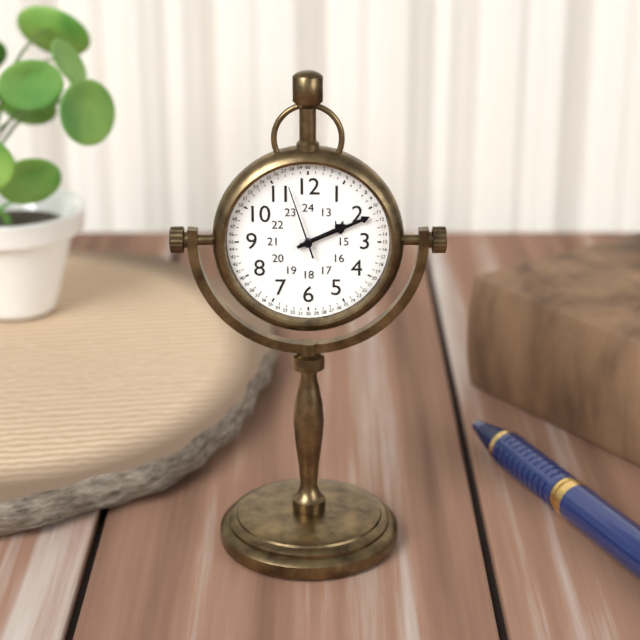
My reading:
{"hour": 2, "minute": 11, "second": 57}
